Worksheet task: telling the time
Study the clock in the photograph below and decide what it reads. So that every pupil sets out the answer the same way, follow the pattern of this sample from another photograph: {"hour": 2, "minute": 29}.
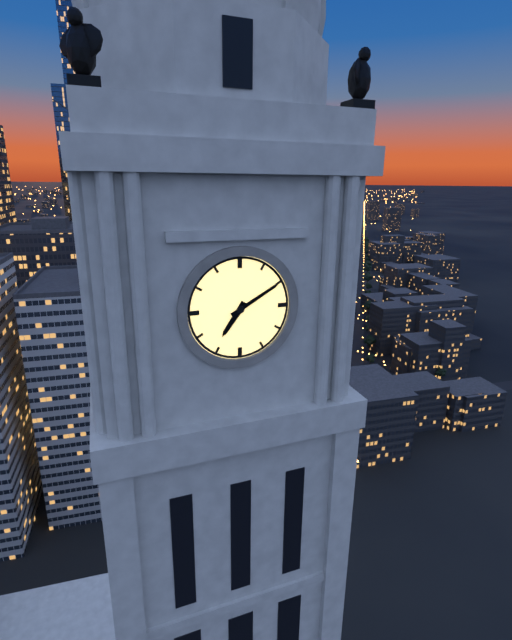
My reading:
{"hour": 7, "minute": 10}
